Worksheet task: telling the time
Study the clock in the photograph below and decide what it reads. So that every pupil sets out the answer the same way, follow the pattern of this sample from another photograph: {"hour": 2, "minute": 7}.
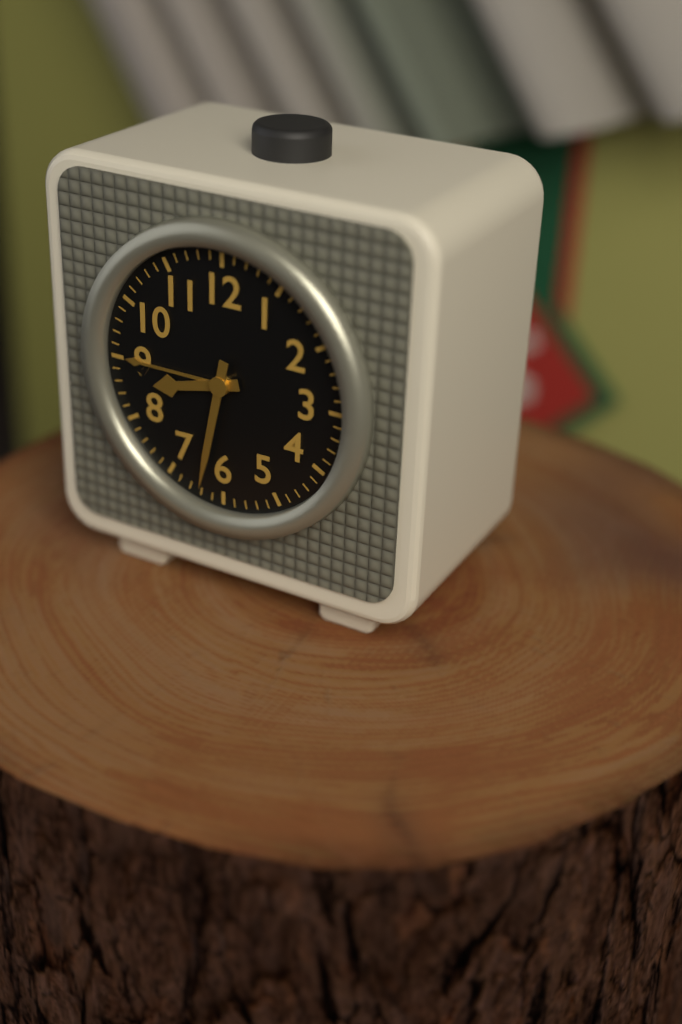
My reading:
{"hour": 8, "minute": 32}
